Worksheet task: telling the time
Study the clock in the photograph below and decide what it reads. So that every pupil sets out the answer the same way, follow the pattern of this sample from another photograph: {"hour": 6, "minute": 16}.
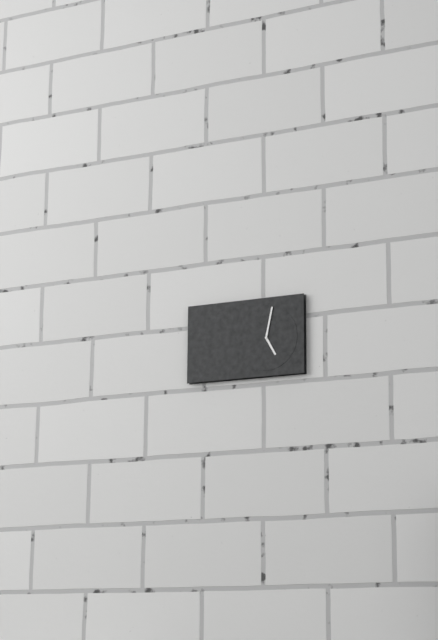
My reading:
{"hour": 5, "minute": 2}
